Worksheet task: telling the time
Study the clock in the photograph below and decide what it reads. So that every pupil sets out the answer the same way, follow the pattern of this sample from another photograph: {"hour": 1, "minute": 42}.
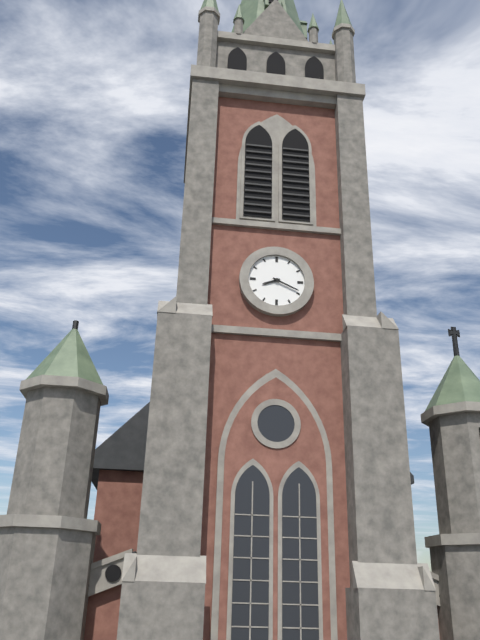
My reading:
{"hour": 8, "minute": 19}
